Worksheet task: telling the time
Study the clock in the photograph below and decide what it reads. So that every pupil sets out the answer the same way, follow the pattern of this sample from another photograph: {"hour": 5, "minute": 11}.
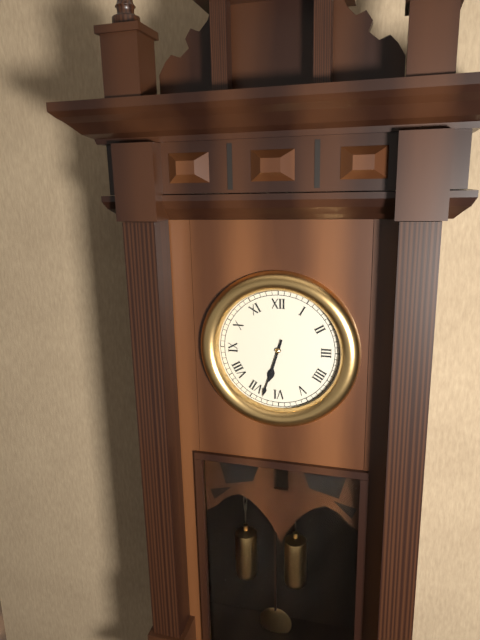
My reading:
{"hour": 6, "minute": 33}
